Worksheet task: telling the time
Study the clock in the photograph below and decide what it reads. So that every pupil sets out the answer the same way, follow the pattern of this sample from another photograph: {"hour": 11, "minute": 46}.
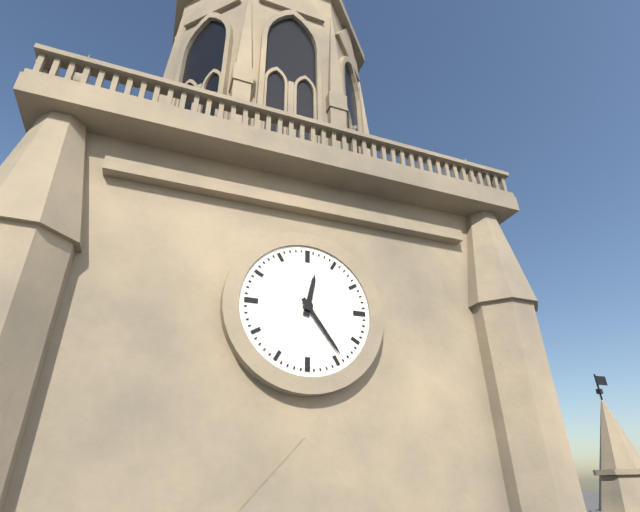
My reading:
{"hour": 12, "minute": 24}
